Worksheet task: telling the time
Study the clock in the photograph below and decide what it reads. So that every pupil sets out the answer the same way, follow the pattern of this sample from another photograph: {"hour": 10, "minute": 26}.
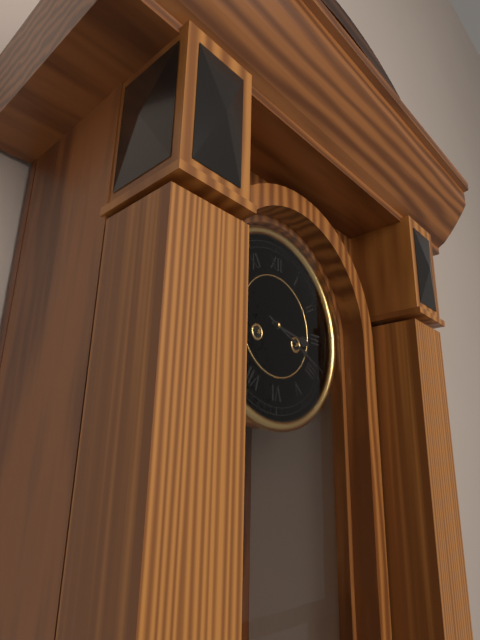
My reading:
{"hour": 3, "minute": 19}
